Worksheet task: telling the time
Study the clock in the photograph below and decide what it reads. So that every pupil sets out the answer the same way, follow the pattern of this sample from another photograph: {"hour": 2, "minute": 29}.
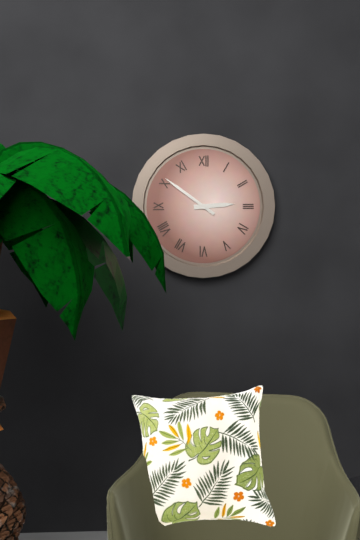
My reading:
{"hour": 2, "minute": 51}
